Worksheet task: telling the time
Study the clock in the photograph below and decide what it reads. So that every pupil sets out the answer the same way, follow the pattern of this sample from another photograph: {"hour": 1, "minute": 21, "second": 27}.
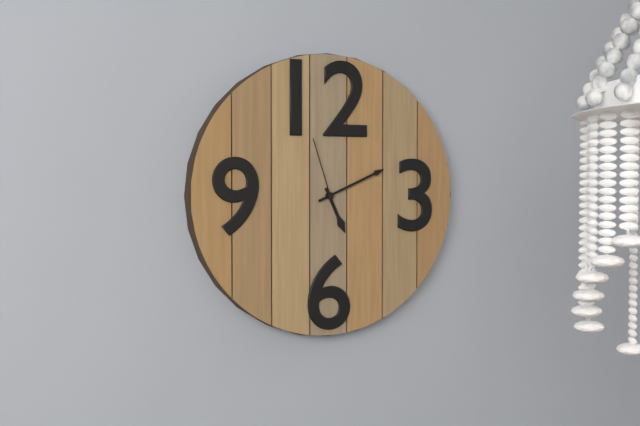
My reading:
{"hour": 5, "minute": 11, "second": 57}
